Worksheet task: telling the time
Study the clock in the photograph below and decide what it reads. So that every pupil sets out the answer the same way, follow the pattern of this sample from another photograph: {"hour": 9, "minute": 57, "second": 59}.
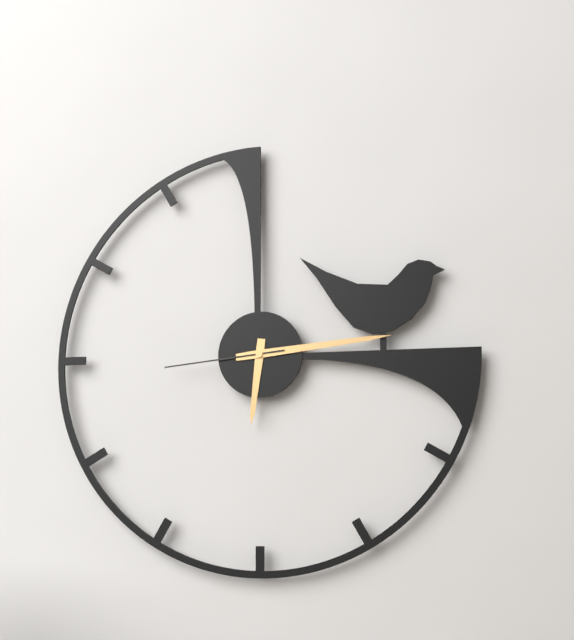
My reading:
{"hour": 6, "minute": 14, "second": 44}
